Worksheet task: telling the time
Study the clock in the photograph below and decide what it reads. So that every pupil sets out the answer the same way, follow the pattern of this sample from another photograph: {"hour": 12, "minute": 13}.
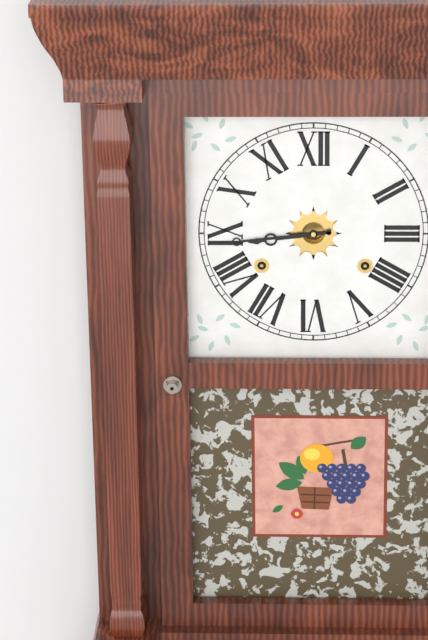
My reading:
{"hour": 8, "minute": 44}
